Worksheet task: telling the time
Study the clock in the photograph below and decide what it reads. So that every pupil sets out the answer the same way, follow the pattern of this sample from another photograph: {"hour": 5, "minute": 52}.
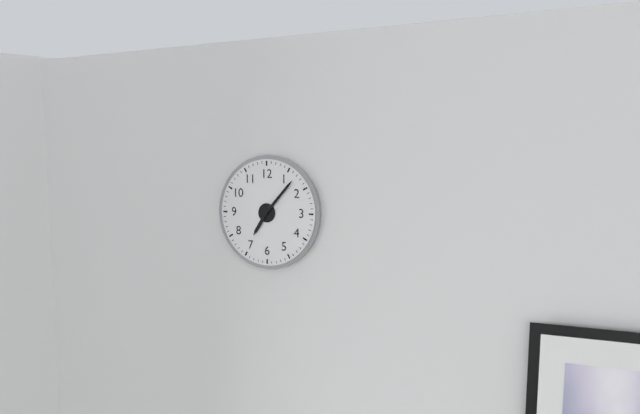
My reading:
{"hour": 7, "minute": 7}
